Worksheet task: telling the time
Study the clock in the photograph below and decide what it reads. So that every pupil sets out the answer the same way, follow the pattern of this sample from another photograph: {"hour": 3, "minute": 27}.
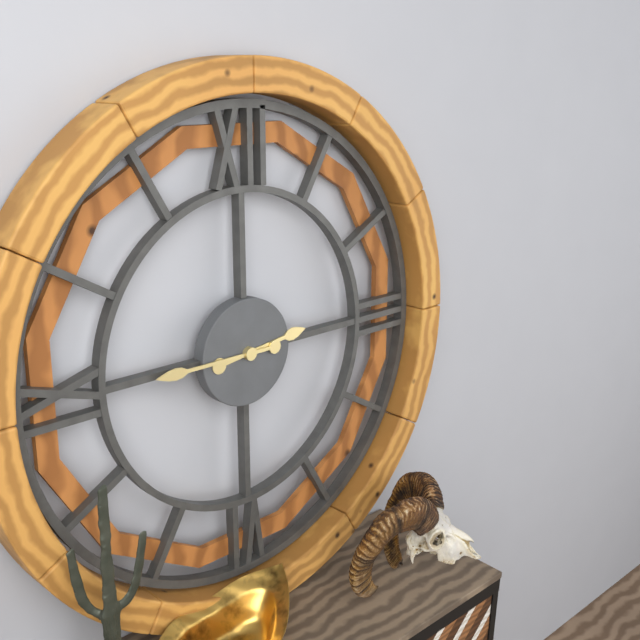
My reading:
{"hour": 2, "minute": 45}
